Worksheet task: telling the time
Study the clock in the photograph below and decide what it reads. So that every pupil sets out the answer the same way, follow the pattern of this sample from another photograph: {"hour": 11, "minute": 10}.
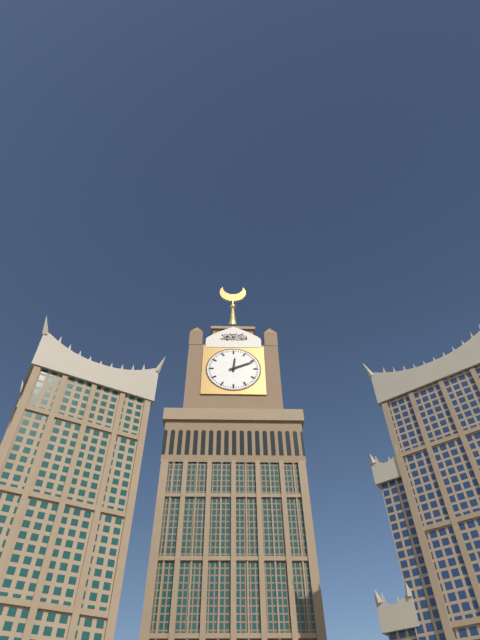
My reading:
{"hour": 12, "minute": 11}
